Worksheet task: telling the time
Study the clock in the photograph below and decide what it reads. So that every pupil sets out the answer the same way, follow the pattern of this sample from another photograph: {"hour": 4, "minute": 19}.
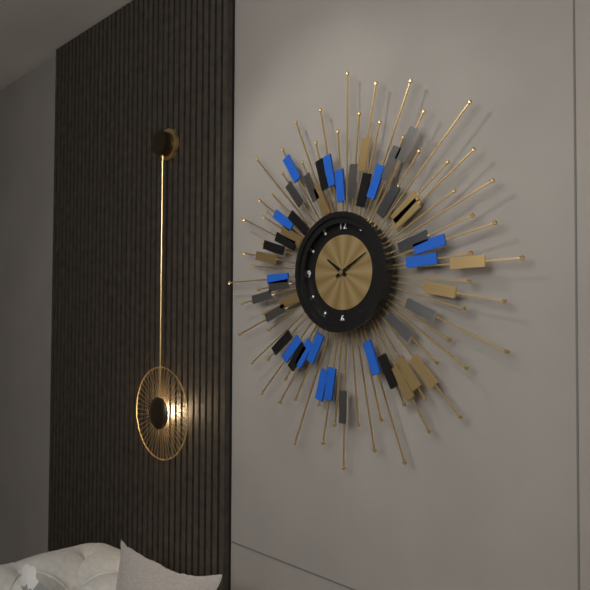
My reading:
{"hour": 10, "minute": 10}
